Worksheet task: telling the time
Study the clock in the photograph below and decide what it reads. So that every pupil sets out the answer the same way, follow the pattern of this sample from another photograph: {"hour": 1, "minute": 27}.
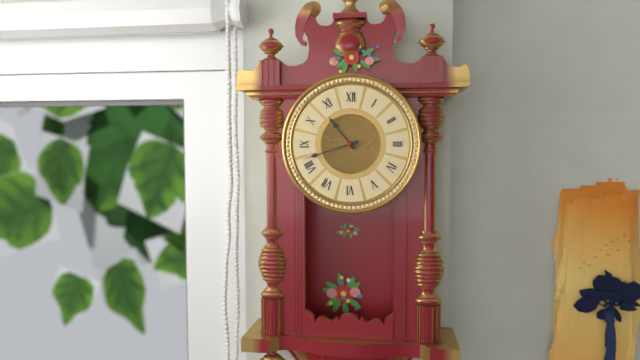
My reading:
{"hour": 10, "minute": 42}
